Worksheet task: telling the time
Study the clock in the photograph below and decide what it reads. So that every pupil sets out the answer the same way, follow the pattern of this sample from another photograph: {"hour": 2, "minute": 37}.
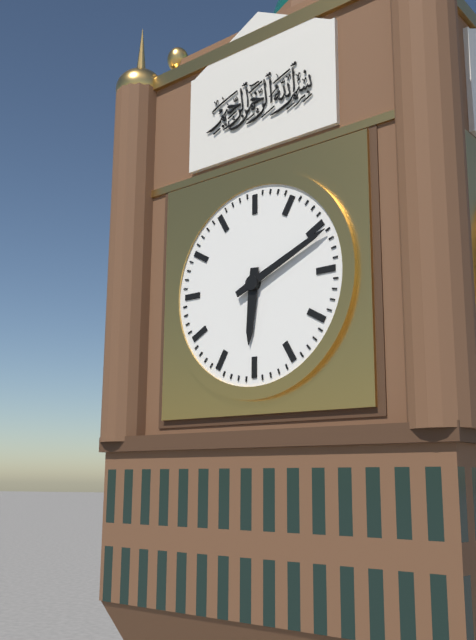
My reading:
{"hour": 6, "minute": 11}
